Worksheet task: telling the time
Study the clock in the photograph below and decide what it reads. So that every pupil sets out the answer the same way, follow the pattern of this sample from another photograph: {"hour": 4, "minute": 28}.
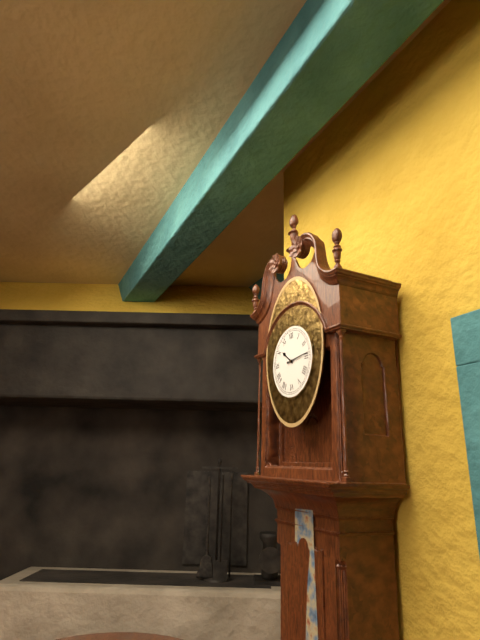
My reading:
{"hour": 10, "minute": 14}
